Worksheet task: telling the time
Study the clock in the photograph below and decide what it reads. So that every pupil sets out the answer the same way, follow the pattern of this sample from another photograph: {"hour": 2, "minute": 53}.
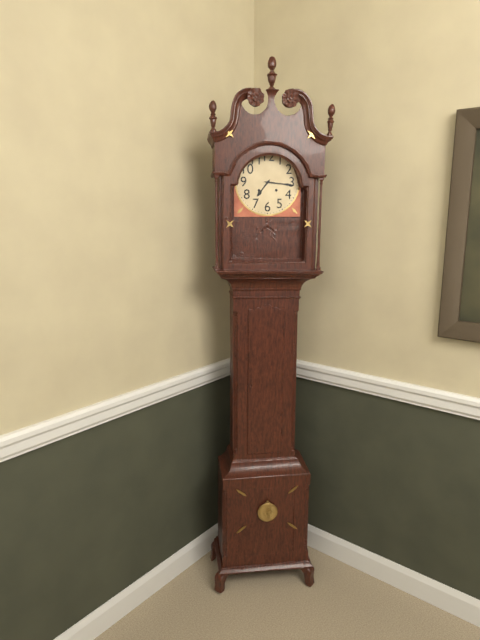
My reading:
{"hour": 7, "minute": 16}
